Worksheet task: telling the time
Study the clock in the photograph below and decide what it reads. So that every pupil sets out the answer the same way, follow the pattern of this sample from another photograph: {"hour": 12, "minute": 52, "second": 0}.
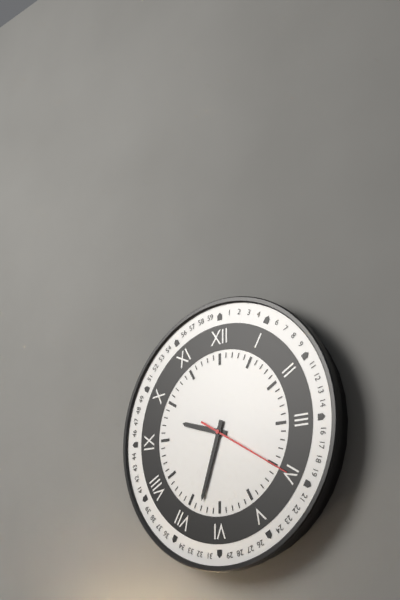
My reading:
{"hour": 9, "minute": 33, "second": 20}
